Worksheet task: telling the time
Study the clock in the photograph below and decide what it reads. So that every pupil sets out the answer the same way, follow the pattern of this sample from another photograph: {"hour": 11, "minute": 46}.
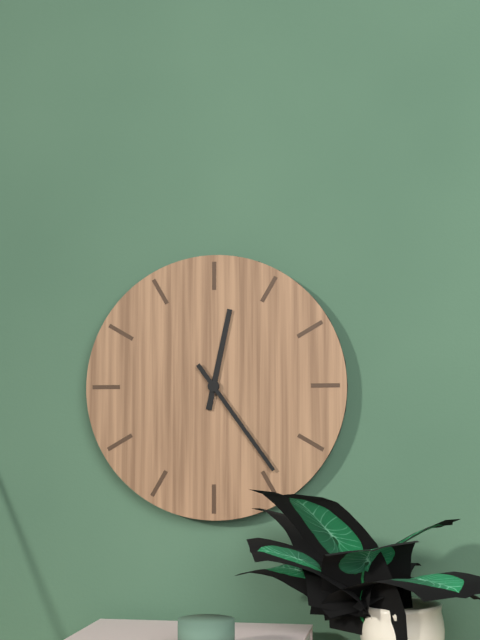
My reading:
{"hour": 12, "minute": 24}
